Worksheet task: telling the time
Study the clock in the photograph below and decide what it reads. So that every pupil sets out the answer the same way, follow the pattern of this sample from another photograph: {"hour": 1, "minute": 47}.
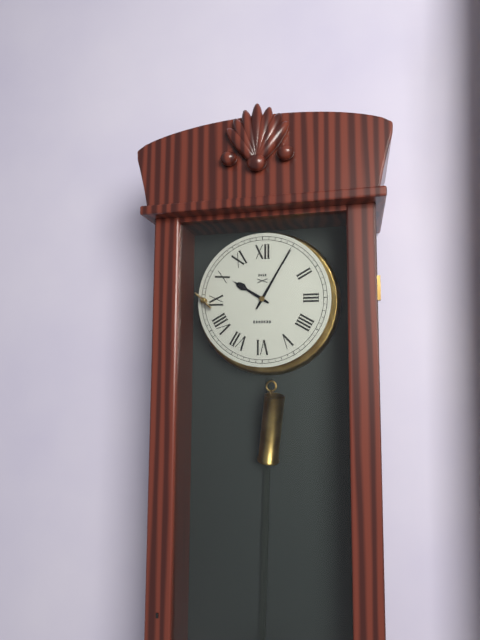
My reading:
{"hour": 10, "minute": 5}
